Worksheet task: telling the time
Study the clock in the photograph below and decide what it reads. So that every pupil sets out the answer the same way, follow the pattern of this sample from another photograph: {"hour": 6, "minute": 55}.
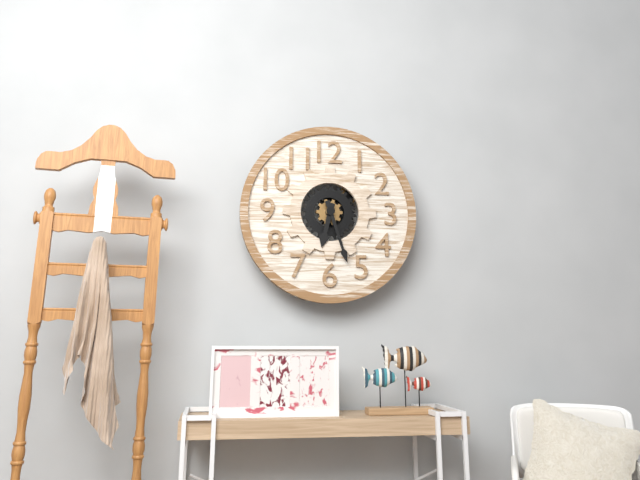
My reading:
{"hour": 6, "minute": 27}
